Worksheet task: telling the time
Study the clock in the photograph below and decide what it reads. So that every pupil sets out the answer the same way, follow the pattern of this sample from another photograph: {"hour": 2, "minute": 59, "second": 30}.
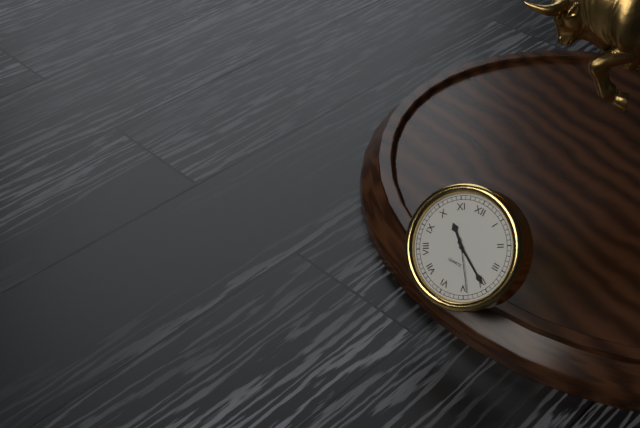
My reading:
{"hour": 10, "minute": 20, "second": 24}
